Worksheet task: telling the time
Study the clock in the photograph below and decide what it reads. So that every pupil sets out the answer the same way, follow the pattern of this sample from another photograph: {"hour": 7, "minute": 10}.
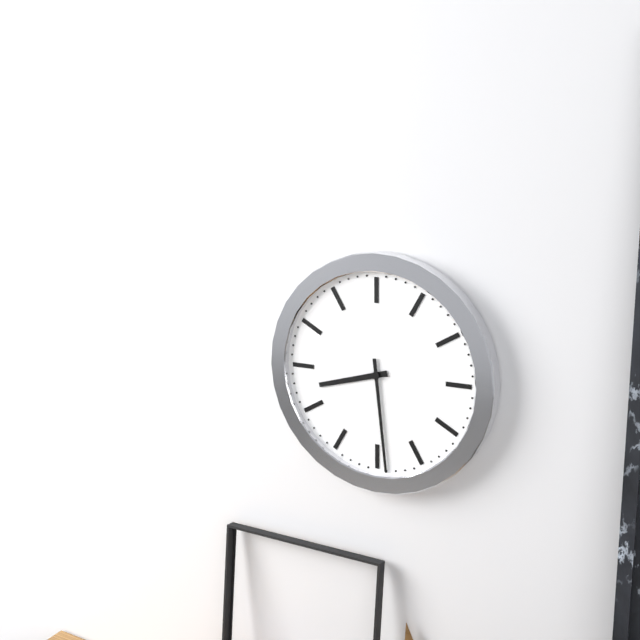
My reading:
{"hour": 8, "minute": 29}
